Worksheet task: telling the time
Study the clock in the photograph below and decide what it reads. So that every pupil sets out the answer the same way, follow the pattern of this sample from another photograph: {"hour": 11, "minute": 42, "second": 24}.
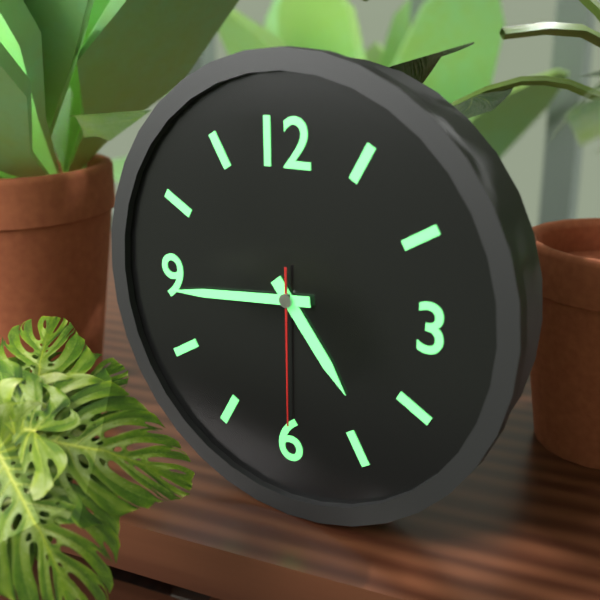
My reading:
{"hour": 4, "minute": 44, "second": 30}
